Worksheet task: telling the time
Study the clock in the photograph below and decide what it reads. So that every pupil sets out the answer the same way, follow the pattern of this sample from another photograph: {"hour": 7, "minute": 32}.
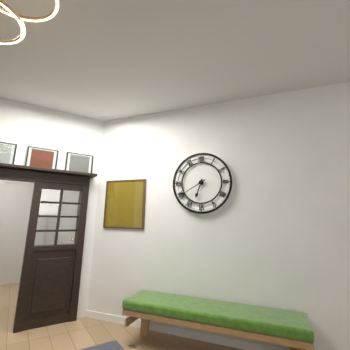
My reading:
{"hour": 6, "minute": 40}
